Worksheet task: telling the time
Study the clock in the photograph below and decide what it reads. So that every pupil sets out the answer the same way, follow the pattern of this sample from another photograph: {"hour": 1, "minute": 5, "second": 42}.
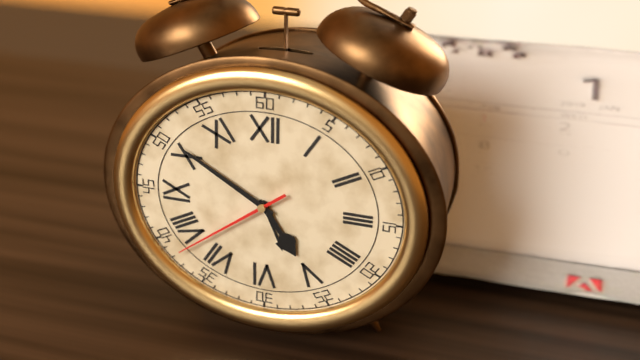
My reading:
{"hour": 4, "minute": 50, "second": 39}
